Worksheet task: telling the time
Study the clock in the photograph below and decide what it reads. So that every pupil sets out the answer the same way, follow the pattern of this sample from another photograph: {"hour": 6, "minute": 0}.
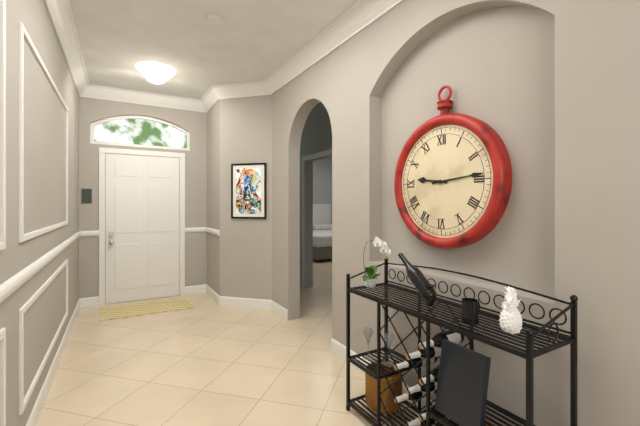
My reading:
{"hour": 9, "minute": 14}
